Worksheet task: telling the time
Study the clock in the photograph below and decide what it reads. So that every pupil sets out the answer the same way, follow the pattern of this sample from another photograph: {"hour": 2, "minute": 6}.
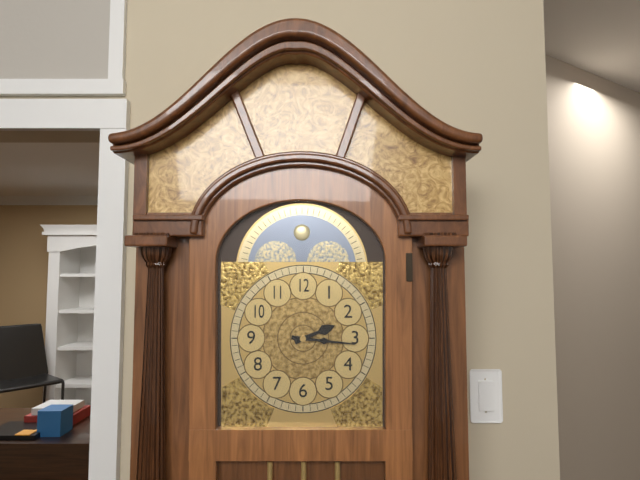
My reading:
{"hour": 2, "minute": 16}
